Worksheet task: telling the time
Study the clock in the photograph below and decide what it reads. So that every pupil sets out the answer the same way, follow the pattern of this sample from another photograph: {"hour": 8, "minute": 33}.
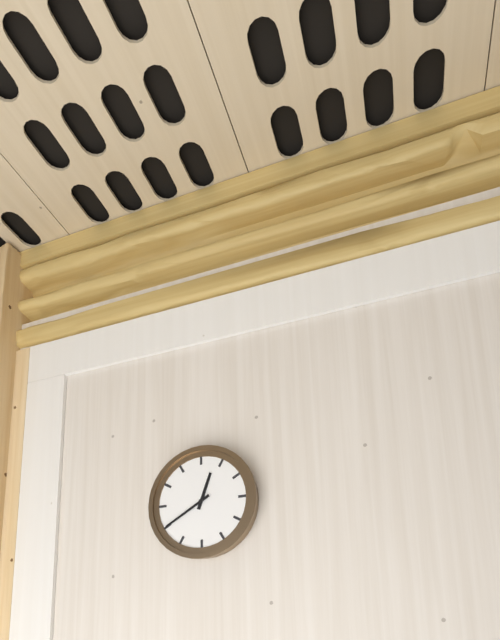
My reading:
{"hour": 12, "minute": 40}
